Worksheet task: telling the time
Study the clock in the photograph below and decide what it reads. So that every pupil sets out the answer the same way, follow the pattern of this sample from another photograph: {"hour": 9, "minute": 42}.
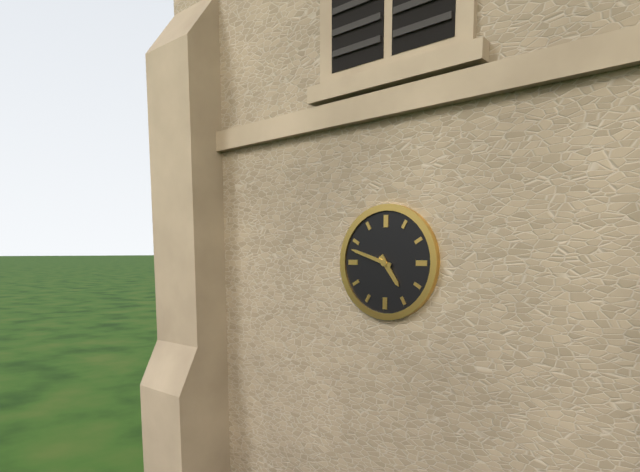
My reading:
{"hour": 4, "minute": 48}
